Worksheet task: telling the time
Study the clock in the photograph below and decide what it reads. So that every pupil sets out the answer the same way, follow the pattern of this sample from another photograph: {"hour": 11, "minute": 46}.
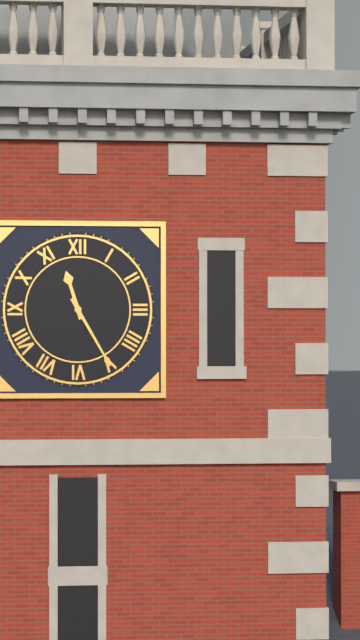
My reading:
{"hour": 11, "minute": 25}
